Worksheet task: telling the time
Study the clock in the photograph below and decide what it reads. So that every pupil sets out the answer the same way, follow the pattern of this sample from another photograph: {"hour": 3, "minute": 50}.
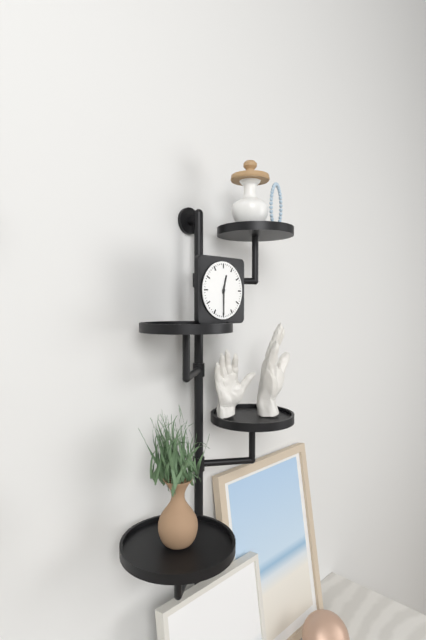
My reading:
{"hour": 12, "minute": 30}
